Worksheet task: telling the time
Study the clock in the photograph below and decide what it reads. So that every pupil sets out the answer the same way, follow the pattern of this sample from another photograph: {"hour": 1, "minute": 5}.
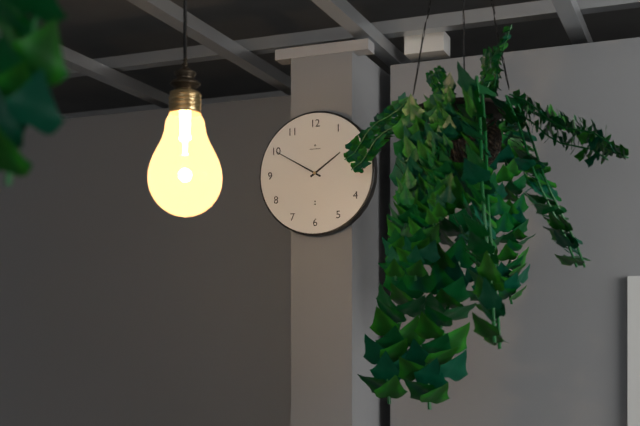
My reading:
{"hour": 1, "minute": 50}
